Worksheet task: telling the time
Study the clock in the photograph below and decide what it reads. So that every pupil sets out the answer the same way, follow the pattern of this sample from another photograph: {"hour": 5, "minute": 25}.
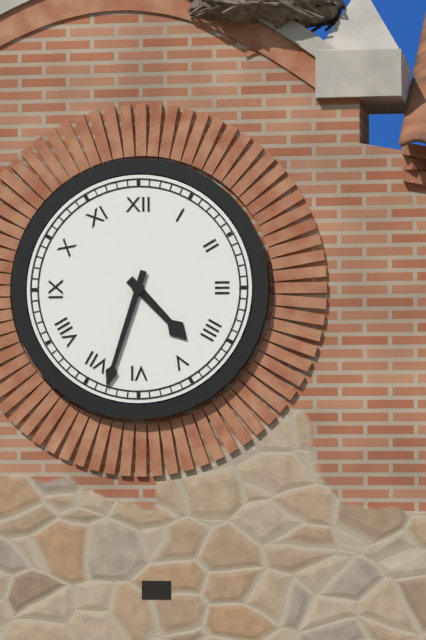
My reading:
{"hour": 4, "minute": 33}
